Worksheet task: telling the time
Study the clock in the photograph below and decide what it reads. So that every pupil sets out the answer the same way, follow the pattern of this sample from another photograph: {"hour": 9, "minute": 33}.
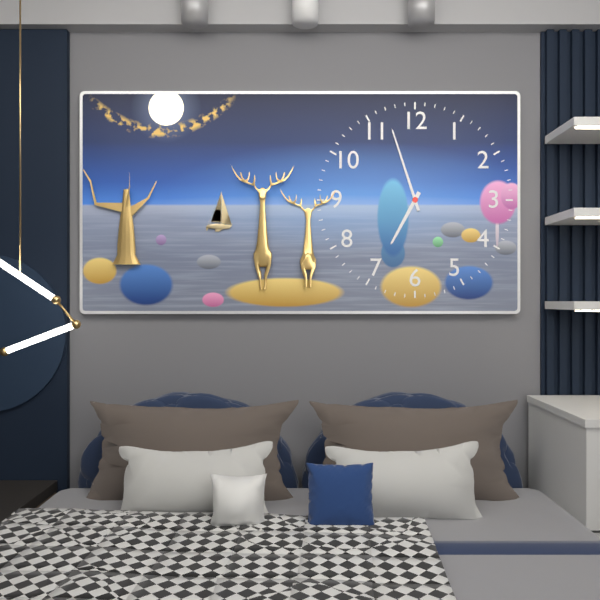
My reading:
{"hour": 6, "minute": 57}
